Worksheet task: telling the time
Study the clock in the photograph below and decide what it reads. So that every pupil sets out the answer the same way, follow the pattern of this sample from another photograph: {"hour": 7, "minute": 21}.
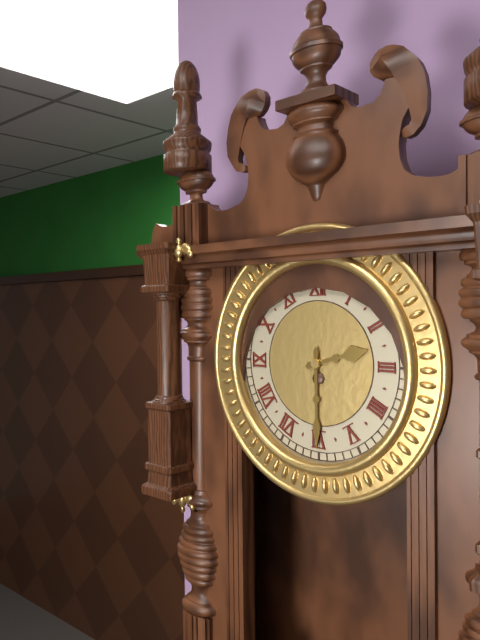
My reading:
{"hour": 2, "minute": 30}
